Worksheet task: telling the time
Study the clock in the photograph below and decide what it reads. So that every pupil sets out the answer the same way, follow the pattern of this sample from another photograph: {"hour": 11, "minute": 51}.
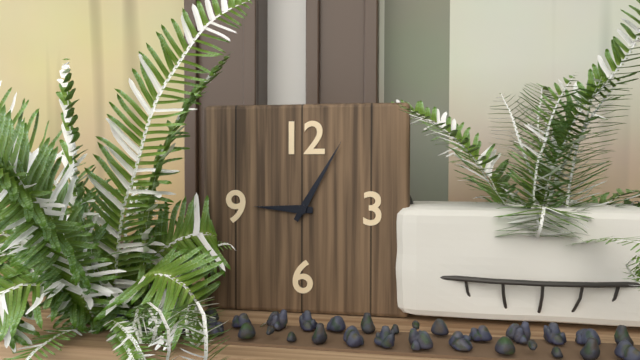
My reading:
{"hour": 9, "minute": 5}
